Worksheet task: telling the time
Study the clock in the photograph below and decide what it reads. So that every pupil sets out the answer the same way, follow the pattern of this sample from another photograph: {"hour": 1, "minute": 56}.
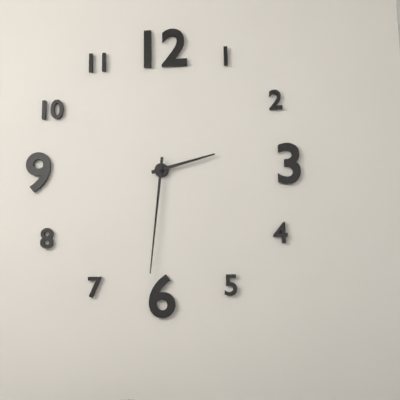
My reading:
{"hour": 2, "minute": 31}
